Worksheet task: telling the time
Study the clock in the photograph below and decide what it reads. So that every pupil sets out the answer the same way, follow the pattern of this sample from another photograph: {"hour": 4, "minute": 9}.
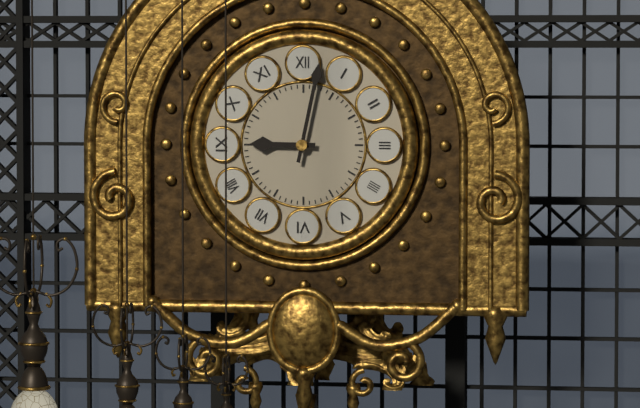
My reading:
{"hour": 9, "minute": 2}
